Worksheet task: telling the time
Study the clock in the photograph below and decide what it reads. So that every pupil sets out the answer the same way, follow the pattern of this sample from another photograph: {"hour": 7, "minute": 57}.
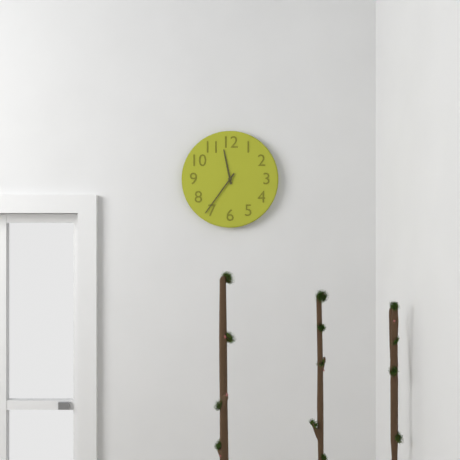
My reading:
{"hour": 11, "minute": 36}
